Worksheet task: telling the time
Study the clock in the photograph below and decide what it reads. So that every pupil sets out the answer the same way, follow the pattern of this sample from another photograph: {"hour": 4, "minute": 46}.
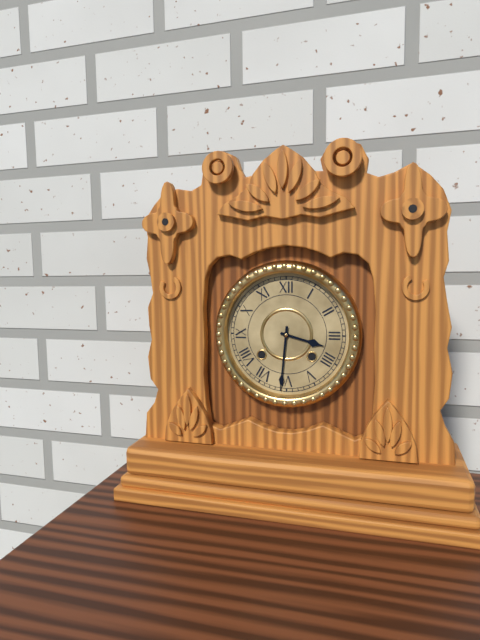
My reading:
{"hour": 3, "minute": 31}
